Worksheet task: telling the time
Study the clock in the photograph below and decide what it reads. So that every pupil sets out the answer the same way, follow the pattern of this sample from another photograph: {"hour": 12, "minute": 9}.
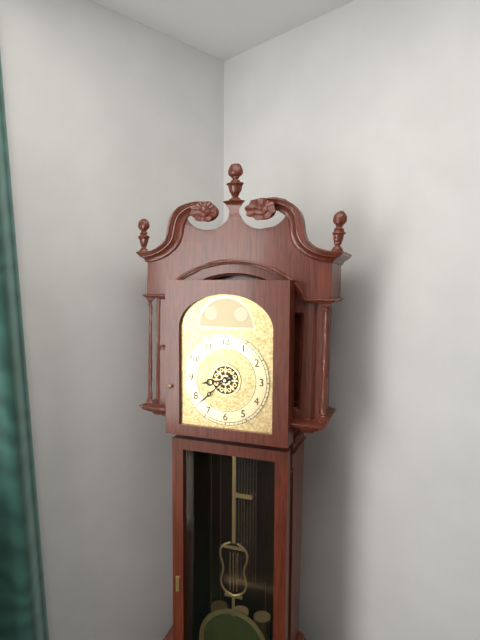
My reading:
{"hour": 8, "minute": 38}
